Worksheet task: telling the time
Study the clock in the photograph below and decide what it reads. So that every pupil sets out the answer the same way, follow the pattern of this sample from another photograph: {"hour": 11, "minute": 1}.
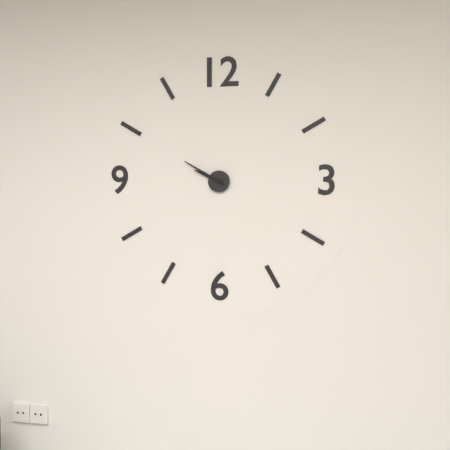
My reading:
{"hour": 9, "minute": 50}
